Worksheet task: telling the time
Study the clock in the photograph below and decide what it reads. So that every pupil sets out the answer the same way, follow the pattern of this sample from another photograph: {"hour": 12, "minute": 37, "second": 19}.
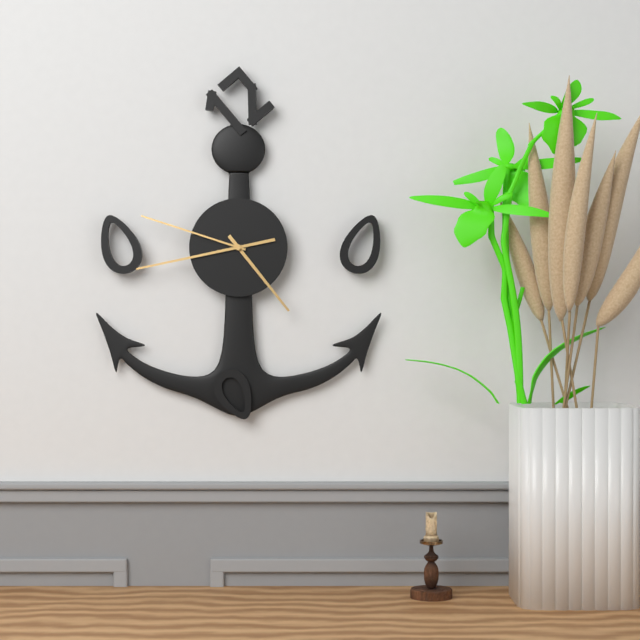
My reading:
{"hour": 4, "minute": 43, "second": 48}
